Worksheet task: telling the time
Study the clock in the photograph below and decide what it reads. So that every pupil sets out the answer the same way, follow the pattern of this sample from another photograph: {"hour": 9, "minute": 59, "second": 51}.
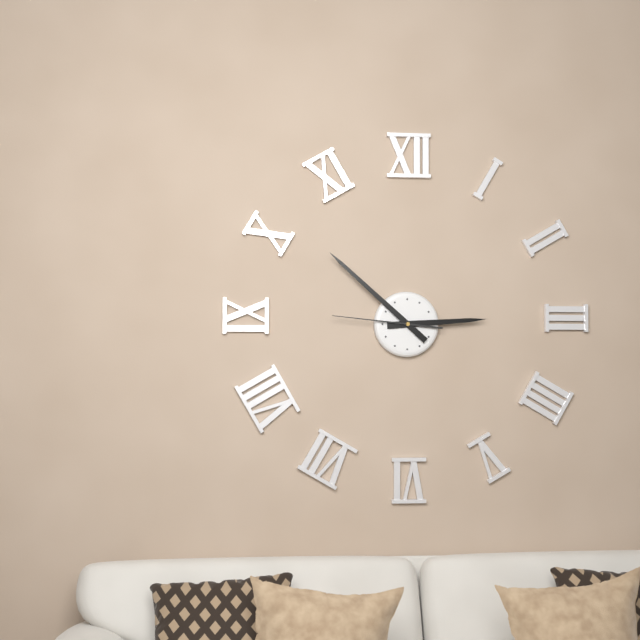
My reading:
{"hour": 2, "minute": 52, "second": 46}
